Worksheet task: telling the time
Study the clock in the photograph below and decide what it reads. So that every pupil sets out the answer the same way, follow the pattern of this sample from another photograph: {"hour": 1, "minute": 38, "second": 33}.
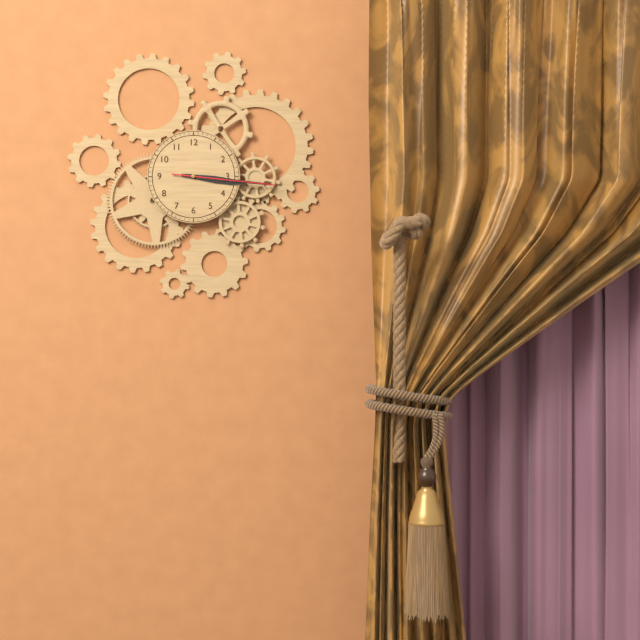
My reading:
{"hour": 3, "minute": 16, "second": 16}
